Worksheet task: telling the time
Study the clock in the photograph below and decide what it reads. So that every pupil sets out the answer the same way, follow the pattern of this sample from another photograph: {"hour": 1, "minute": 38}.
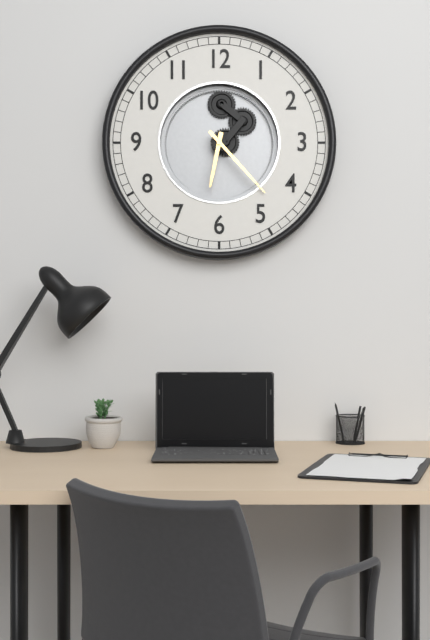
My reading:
{"hour": 6, "minute": 23}
